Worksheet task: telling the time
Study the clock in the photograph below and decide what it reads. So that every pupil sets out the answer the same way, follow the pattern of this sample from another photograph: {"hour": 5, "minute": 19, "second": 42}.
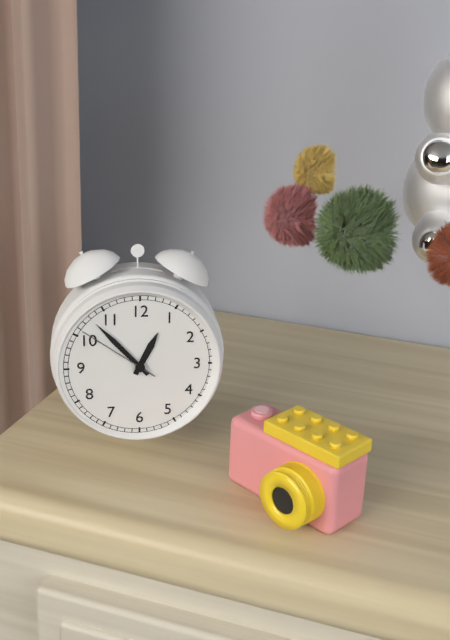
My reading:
{"hour": 12, "minute": 53, "second": 51}
